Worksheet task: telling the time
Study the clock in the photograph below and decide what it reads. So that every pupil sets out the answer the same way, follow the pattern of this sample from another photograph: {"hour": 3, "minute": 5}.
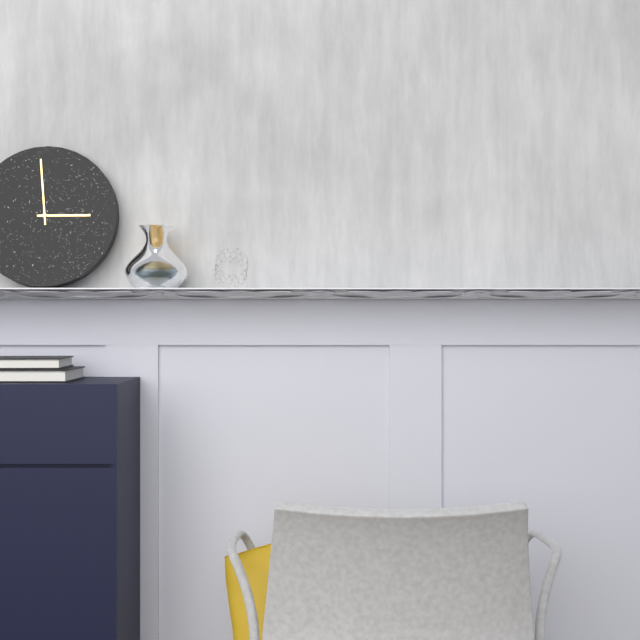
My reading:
{"hour": 2, "minute": 59}
